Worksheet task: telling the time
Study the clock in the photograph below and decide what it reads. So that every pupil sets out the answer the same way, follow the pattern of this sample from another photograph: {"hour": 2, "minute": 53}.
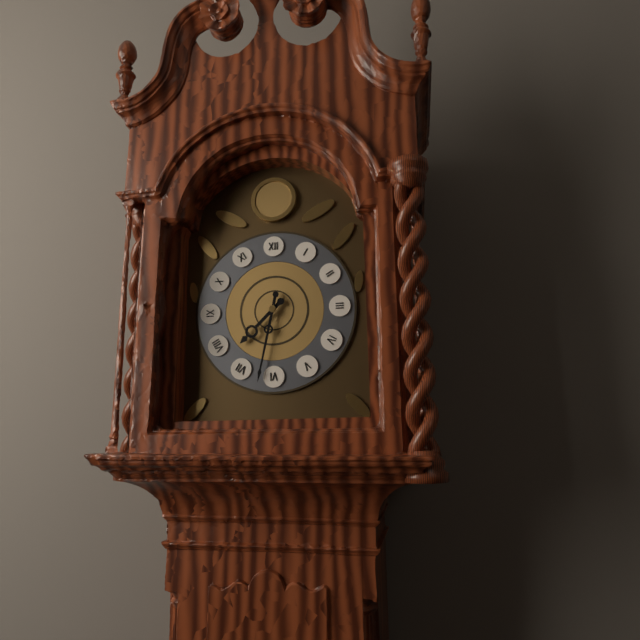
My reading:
{"hour": 7, "minute": 32}
